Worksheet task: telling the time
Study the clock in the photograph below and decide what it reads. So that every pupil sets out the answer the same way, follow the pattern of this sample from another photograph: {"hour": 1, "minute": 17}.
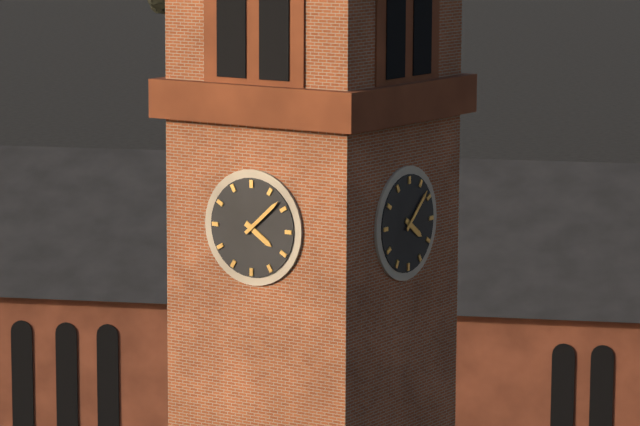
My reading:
{"hour": 4, "minute": 8}
